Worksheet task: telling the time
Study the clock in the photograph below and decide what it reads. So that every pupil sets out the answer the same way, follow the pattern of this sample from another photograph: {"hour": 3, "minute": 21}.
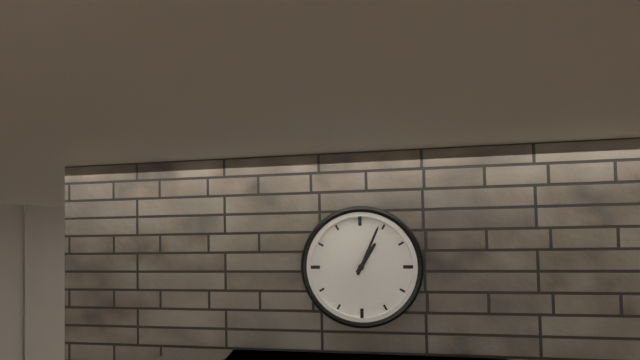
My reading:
{"hour": 1, "minute": 4}
